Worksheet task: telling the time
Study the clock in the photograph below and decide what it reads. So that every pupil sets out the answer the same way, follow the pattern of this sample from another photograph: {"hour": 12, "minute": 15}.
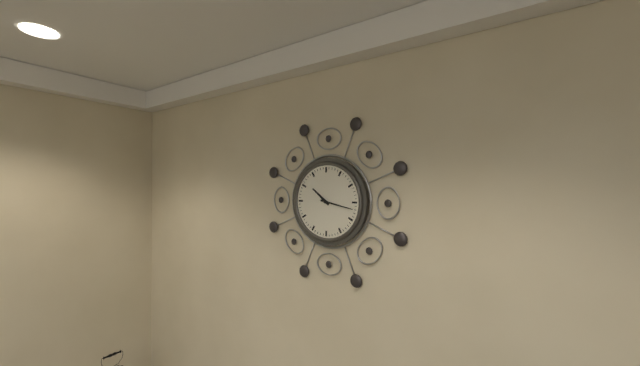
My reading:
{"hour": 10, "minute": 17}
